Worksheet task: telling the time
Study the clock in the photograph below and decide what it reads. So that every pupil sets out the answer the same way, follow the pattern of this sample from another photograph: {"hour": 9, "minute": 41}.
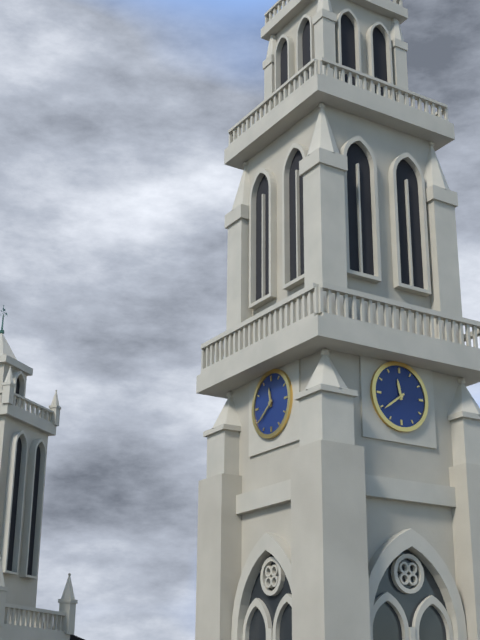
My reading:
{"hour": 11, "minute": 39}
